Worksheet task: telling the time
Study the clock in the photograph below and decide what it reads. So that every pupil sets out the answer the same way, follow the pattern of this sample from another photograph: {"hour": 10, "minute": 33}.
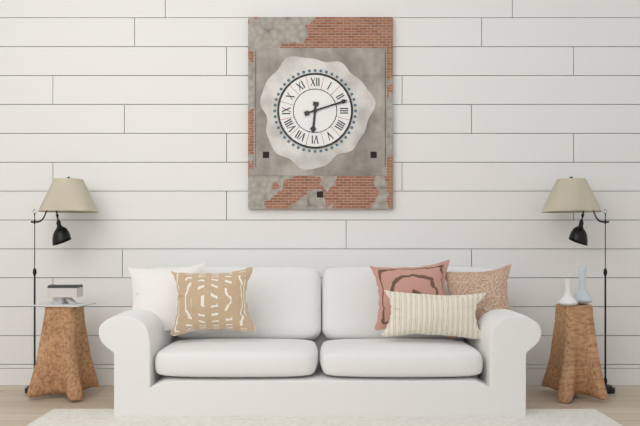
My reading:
{"hour": 6, "minute": 12}
